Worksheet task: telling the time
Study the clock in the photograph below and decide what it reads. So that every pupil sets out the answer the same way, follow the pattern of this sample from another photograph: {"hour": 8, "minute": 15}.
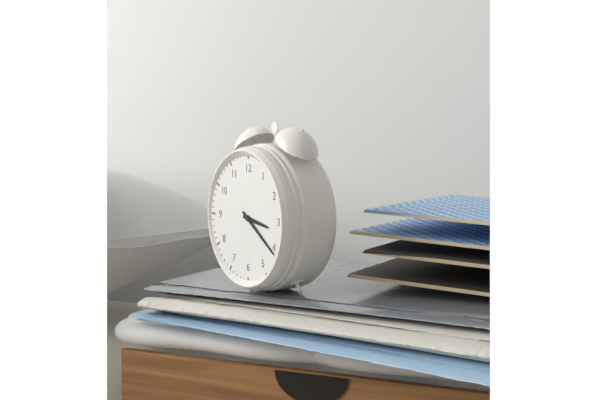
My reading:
{"hour": 3, "minute": 21}
